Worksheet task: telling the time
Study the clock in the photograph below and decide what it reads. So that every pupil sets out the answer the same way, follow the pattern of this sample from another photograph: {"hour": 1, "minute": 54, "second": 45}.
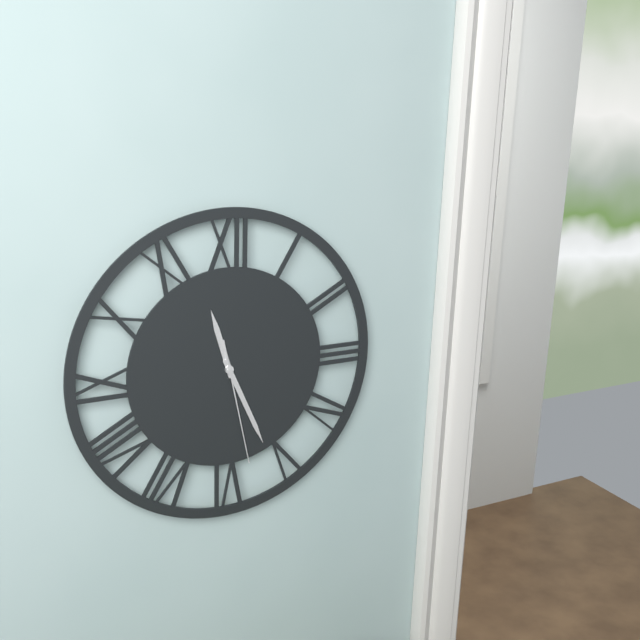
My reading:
{"hour": 11, "minute": 26, "second": 28}
